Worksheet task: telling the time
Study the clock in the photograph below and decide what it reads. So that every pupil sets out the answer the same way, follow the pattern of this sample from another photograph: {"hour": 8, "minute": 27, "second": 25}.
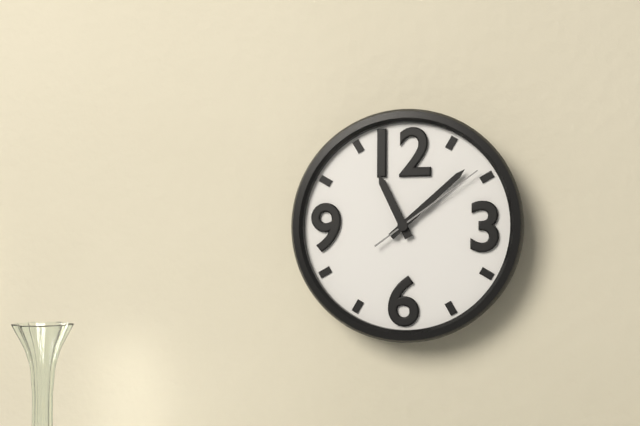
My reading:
{"hour": 11, "minute": 8, "second": 9}
